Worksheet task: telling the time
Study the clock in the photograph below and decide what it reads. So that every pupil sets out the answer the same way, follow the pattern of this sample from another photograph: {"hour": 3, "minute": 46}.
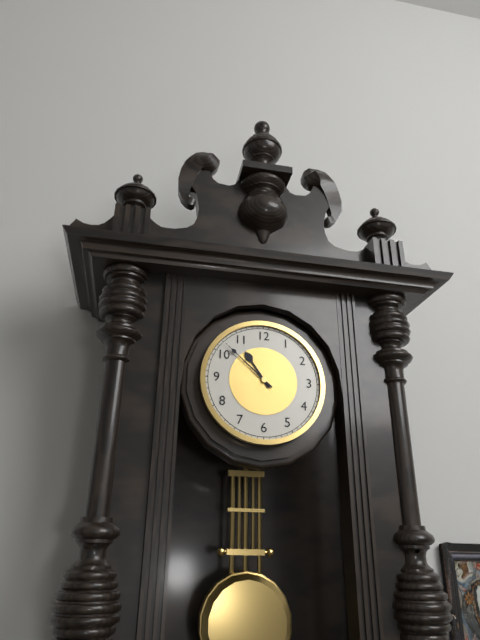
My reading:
{"hour": 10, "minute": 52}
